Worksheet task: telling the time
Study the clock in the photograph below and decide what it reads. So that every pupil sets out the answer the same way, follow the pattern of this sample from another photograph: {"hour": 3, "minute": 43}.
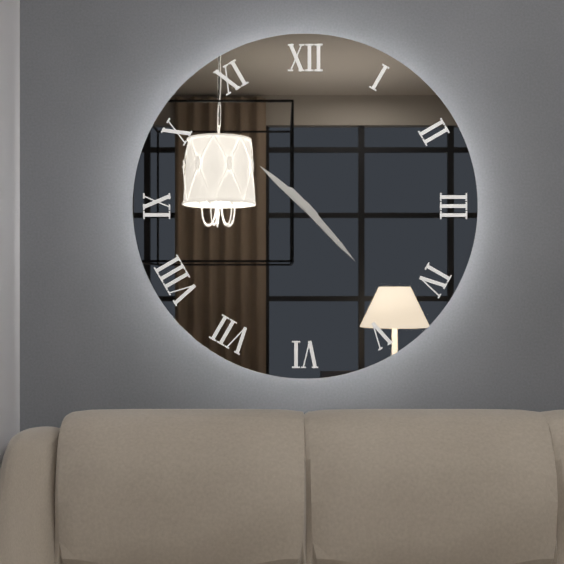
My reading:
{"hour": 10, "minute": 23}
